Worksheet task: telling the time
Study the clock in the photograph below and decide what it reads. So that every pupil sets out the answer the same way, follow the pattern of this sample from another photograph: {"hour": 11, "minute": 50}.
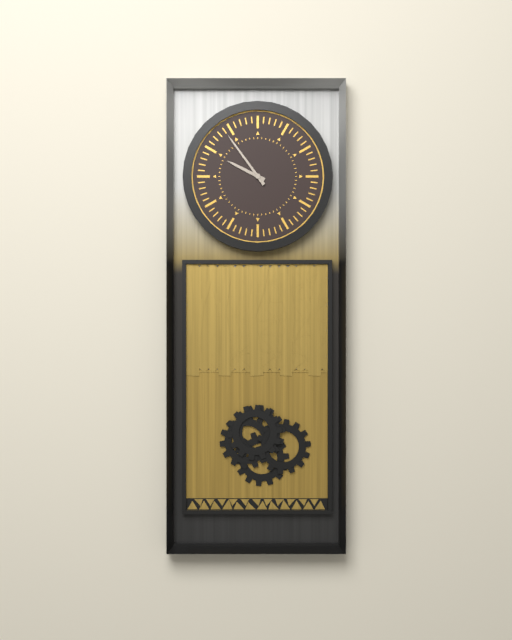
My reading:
{"hour": 9, "minute": 54}
